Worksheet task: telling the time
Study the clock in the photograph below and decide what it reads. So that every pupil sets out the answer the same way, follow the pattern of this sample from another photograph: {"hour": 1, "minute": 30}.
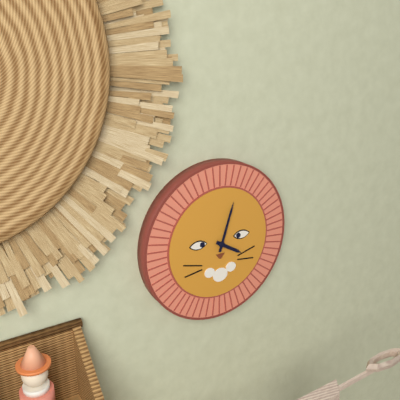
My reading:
{"hour": 4, "minute": 3}
